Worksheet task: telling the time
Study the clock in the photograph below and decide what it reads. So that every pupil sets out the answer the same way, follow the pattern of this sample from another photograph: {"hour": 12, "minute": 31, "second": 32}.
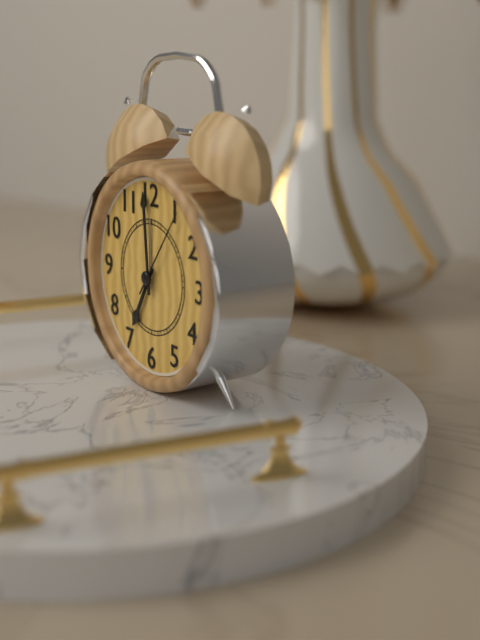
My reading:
{"hour": 6, "minute": 59, "second": 6}
